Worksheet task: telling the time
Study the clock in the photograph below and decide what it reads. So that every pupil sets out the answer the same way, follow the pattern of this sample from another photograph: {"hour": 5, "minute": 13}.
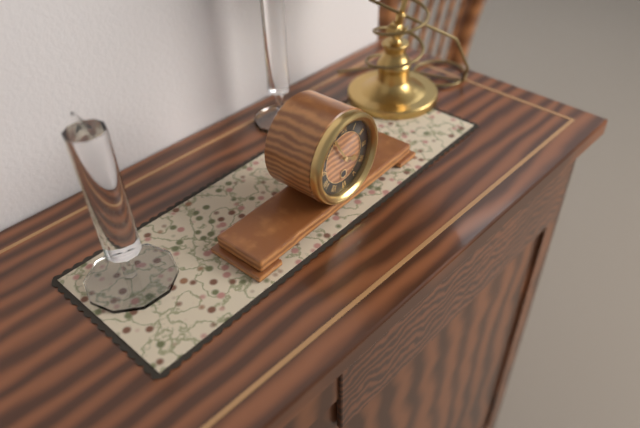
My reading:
{"hour": 3, "minute": 55}
